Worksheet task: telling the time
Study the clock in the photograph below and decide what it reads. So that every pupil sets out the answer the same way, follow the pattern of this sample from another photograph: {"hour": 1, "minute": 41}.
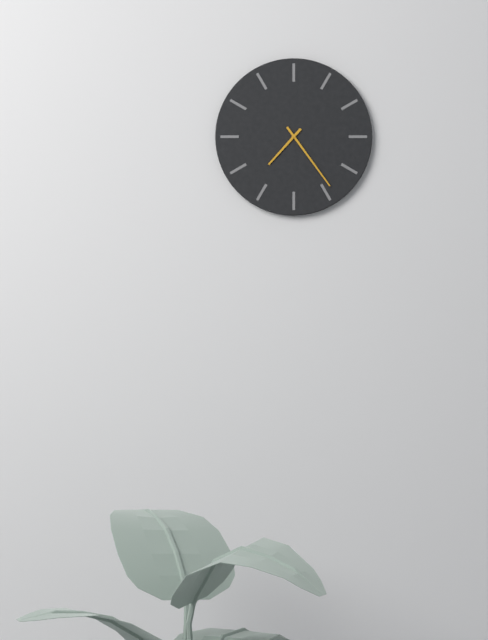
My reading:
{"hour": 7, "minute": 24}
